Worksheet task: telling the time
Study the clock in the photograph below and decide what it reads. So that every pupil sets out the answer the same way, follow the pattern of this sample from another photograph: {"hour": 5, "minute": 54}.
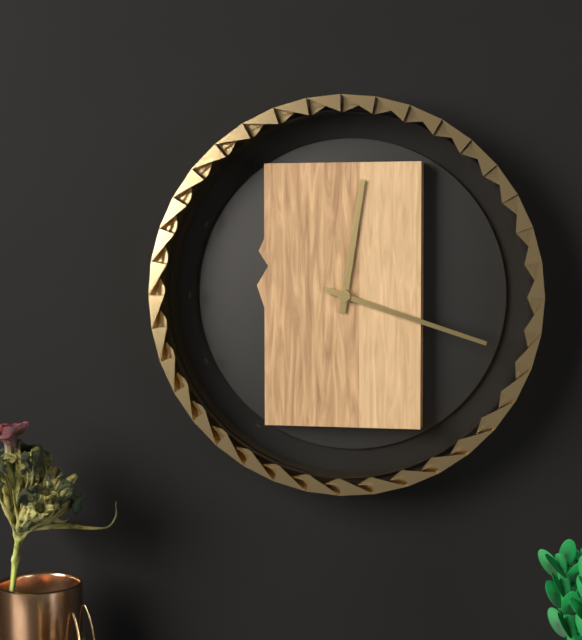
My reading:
{"hour": 12, "minute": 18}
